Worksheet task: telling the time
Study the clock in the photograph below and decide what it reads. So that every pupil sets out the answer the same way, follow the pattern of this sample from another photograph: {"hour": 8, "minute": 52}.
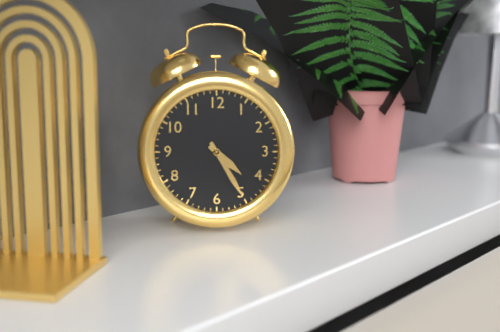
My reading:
{"hour": 4, "minute": 25}
